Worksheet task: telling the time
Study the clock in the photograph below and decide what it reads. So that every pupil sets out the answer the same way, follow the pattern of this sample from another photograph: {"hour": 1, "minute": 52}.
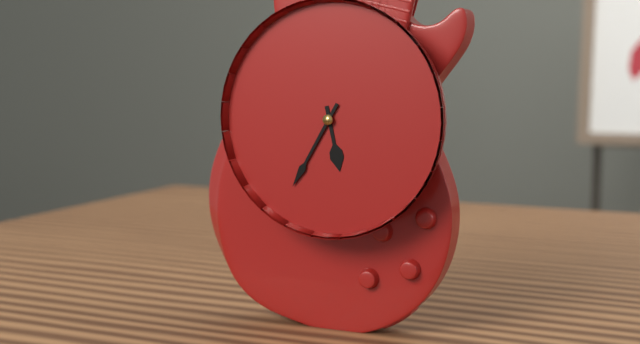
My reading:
{"hour": 5, "minute": 35}
